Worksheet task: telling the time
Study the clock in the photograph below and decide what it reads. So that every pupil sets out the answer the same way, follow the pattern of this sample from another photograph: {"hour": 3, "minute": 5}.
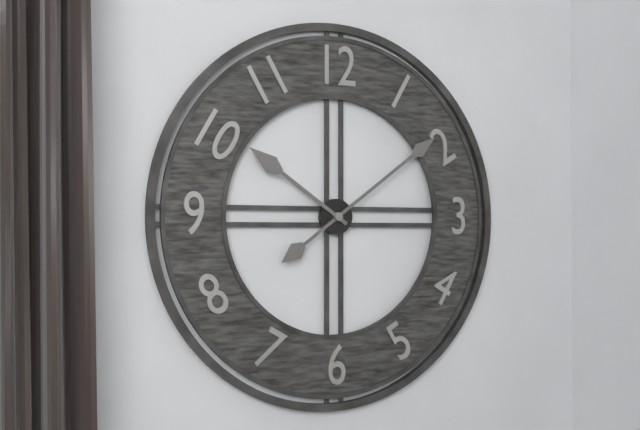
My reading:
{"hour": 10, "minute": 9}
